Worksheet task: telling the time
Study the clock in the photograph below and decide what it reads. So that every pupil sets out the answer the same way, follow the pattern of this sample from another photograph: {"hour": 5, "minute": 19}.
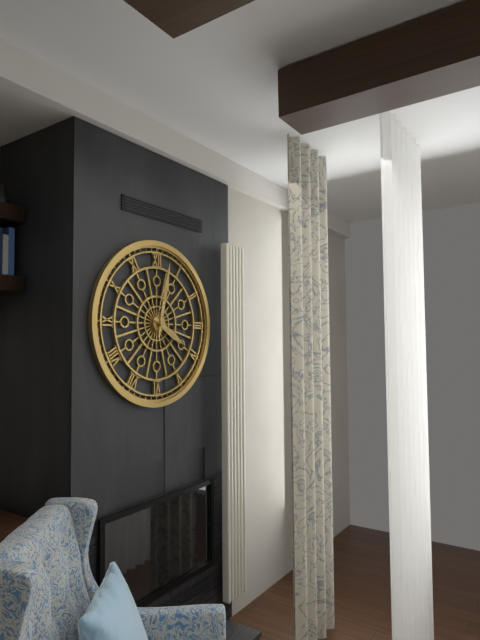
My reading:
{"hour": 4, "minute": 2}
